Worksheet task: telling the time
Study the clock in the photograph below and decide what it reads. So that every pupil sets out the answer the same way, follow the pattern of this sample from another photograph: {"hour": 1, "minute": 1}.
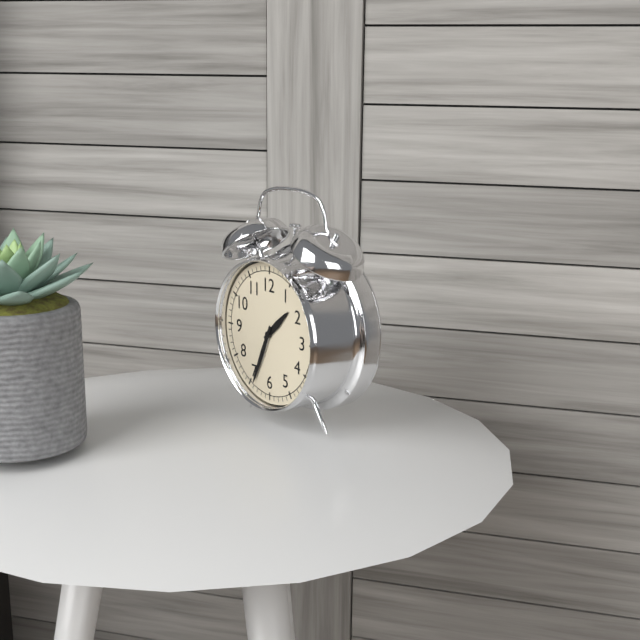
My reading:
{"hour": 1, "minute": 34}
